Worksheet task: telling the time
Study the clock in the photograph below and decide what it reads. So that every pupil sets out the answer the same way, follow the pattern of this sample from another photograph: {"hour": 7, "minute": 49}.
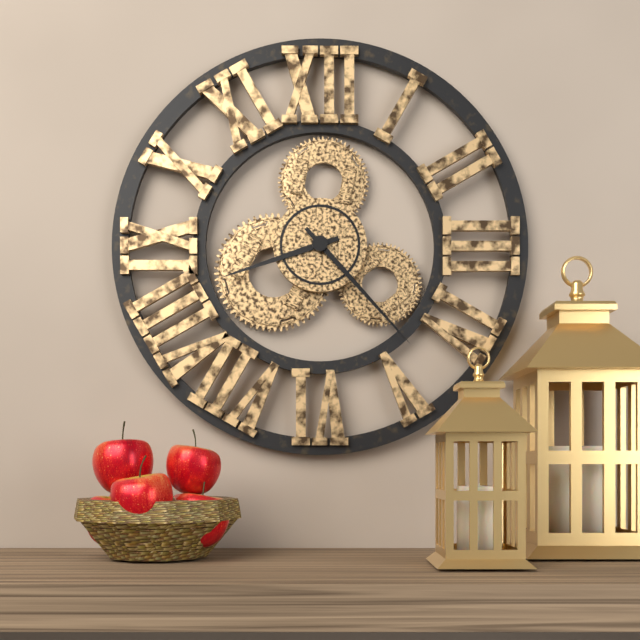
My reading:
{"hour": 8, "minute": 23}
